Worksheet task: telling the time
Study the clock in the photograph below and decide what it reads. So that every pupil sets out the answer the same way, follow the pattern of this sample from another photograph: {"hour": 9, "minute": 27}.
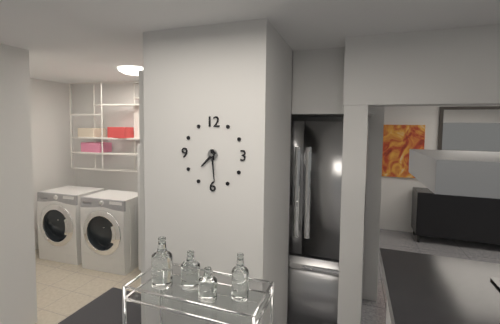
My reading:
{"hour": 7, "minute": 29}
